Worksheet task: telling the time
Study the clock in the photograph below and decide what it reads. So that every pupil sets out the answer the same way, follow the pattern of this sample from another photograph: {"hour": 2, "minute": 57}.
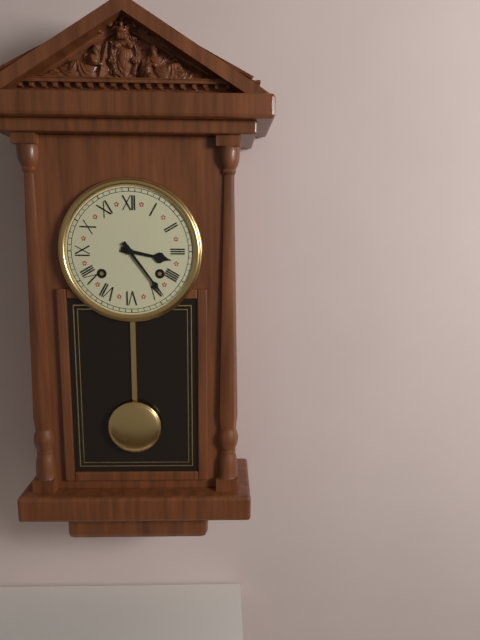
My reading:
{"hour": 3, "minute": 24}
